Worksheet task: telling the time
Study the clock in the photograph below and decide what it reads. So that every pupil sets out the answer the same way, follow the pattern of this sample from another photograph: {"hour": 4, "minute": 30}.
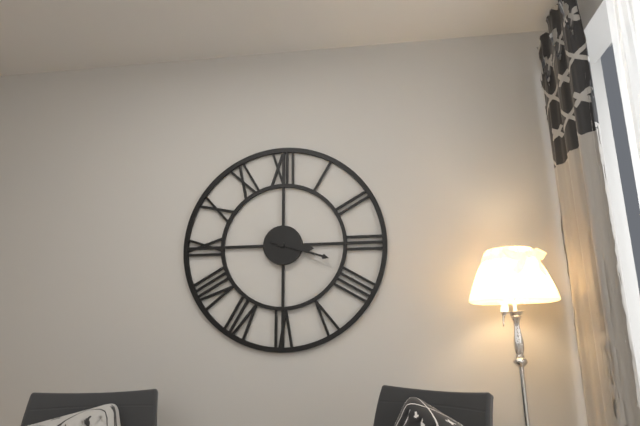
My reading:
{"hour": 3, "minute": 18}
